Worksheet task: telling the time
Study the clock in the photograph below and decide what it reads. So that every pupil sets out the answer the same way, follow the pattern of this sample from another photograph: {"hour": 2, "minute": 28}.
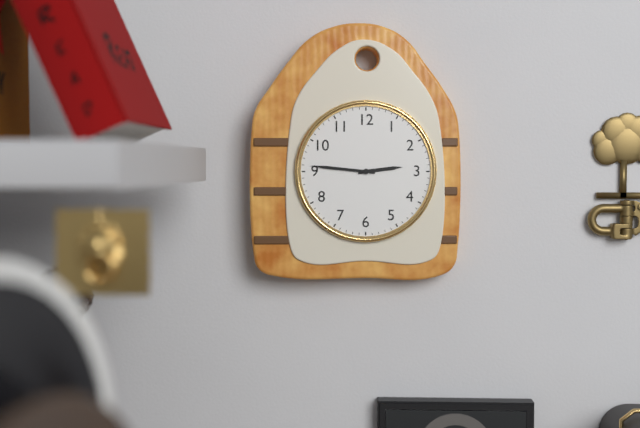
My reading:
{"hour": 2, "minute": 46}
